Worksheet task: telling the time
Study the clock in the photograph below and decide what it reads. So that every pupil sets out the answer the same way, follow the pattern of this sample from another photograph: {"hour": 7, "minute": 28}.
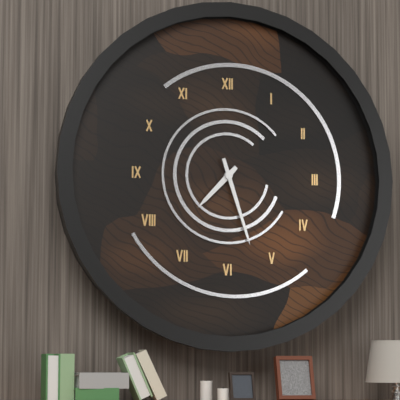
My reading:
{"hour": 7, "minute": 27}
